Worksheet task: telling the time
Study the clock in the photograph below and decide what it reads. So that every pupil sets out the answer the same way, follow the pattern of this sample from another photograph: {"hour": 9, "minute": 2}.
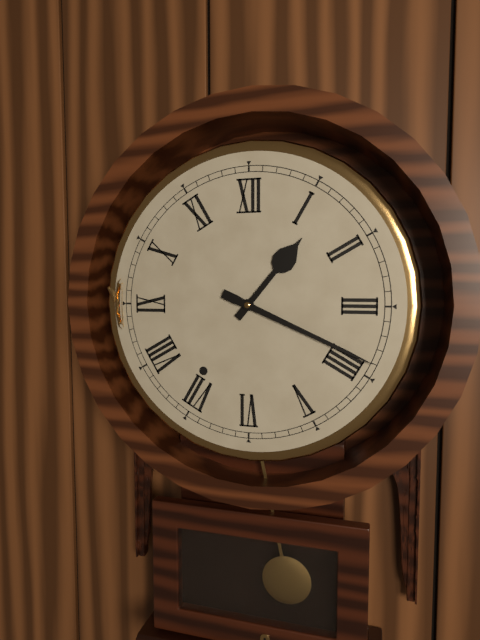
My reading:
{"hour": 1, "minute": 19}
